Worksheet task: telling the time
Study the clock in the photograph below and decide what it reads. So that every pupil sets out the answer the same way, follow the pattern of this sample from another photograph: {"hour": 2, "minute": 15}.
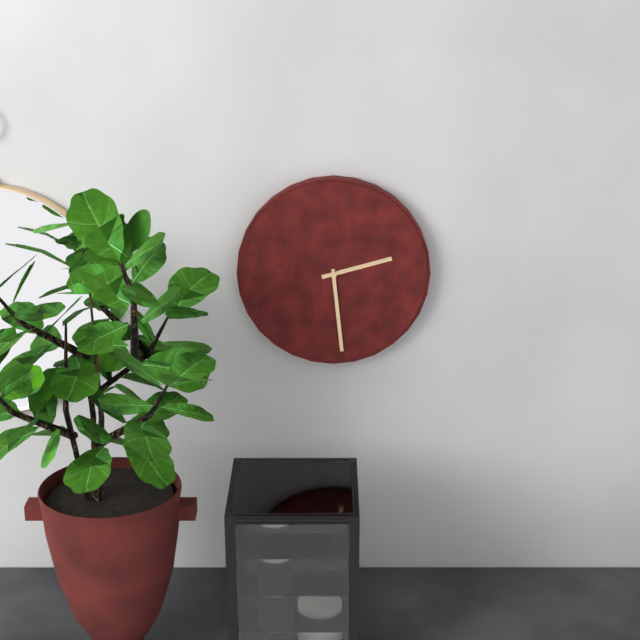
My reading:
{"hour": 2, "minute": 29}
